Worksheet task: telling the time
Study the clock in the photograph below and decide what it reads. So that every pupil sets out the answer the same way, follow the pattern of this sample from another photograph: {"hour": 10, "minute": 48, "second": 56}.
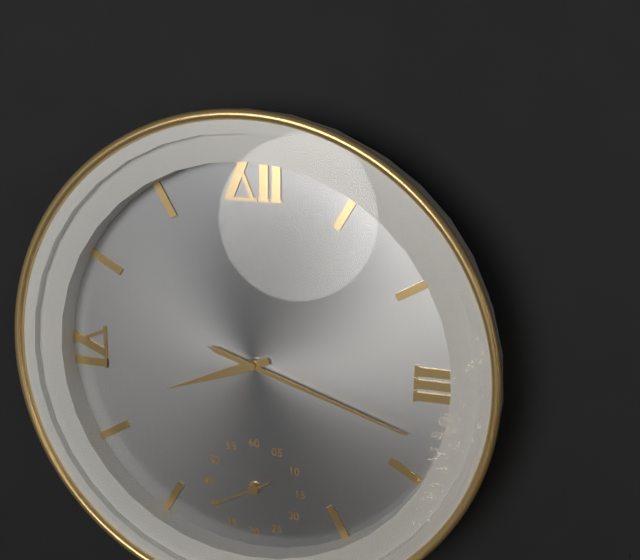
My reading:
{"hour": 8, "minute": 18, "second": 40}
